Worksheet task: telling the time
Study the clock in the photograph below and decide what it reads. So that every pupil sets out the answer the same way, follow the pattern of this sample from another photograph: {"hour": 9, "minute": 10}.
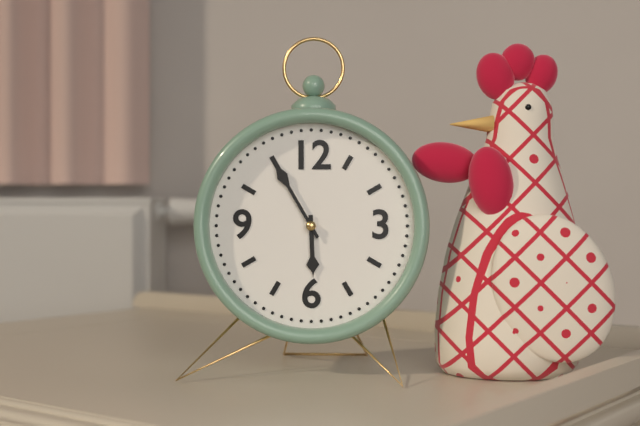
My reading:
{"hour": 5, "minute": 55}
